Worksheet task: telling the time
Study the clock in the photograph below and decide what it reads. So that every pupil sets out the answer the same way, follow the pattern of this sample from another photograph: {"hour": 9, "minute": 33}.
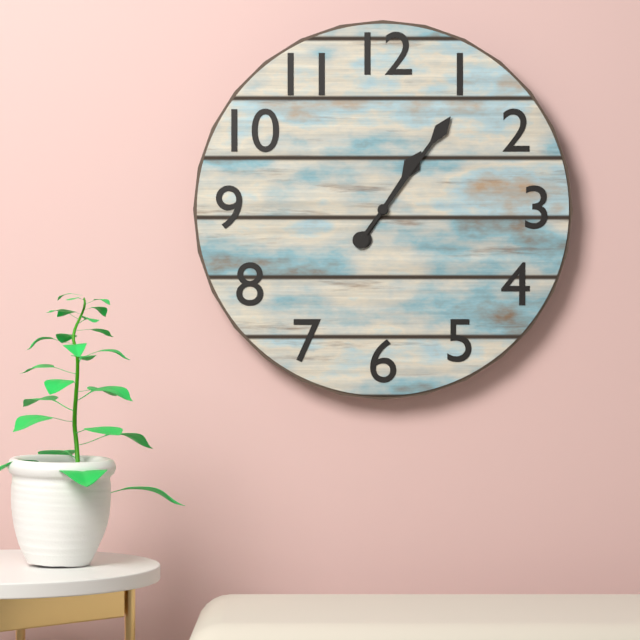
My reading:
{"hour": 1, "minute": 6}
